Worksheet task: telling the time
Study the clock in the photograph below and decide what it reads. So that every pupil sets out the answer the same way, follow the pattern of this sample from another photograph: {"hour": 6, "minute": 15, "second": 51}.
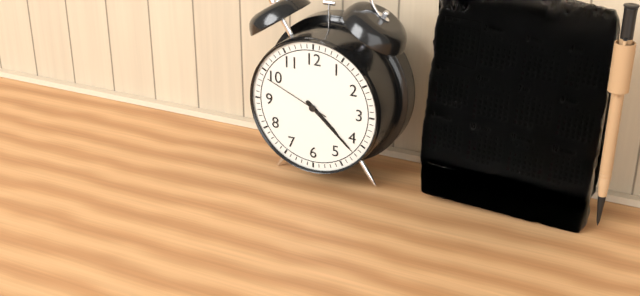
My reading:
{"hour": 4, "minute": 22, "second": 49}
